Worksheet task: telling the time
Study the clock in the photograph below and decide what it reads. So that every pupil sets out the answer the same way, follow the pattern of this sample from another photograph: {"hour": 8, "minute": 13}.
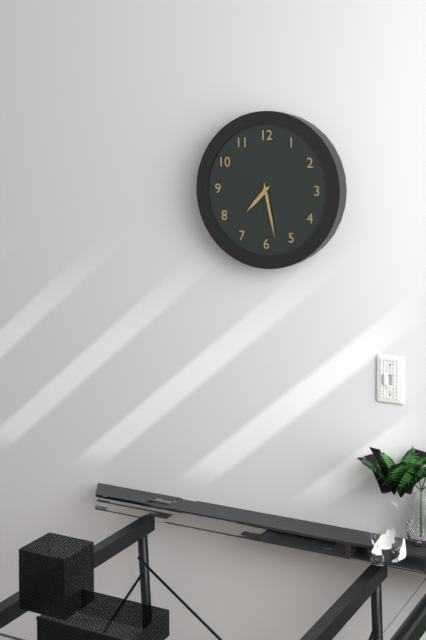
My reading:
{"hour": 7, "minute": 28}
